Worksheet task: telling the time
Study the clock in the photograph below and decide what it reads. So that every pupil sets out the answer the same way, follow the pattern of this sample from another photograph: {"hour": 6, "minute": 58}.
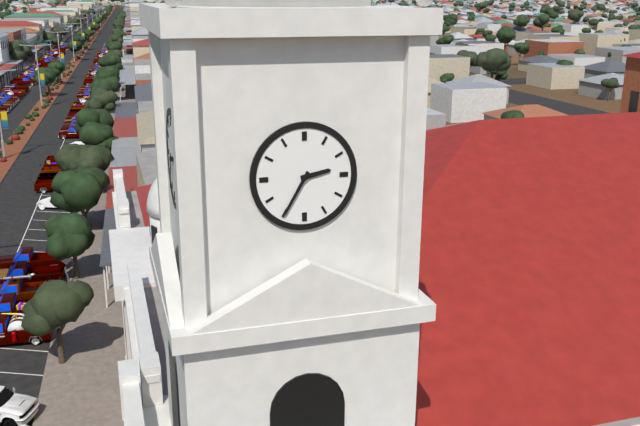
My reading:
{"hour": 2, "minute": 35}
